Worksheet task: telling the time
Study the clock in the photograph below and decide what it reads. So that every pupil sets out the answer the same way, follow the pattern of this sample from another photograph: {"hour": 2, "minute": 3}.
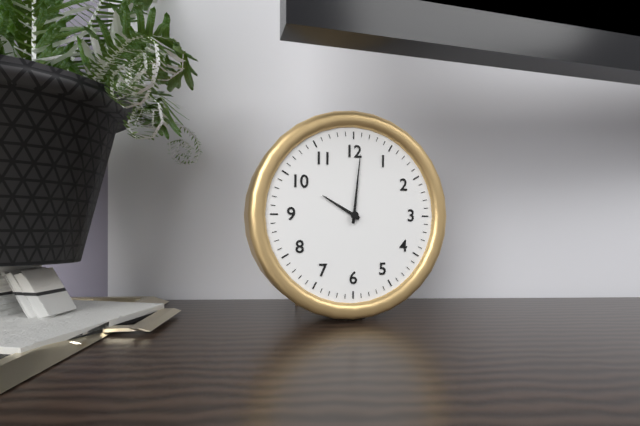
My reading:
{"hour": 10, "minute": 1}
